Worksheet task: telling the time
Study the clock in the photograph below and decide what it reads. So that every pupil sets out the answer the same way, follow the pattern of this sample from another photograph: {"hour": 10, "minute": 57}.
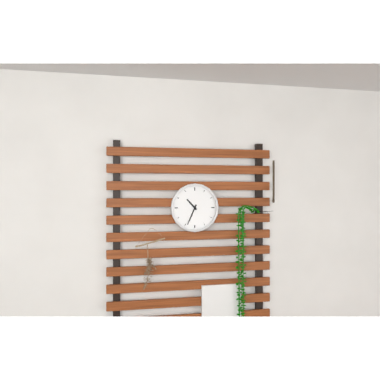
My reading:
{"hour": 10, "minute": 34}
